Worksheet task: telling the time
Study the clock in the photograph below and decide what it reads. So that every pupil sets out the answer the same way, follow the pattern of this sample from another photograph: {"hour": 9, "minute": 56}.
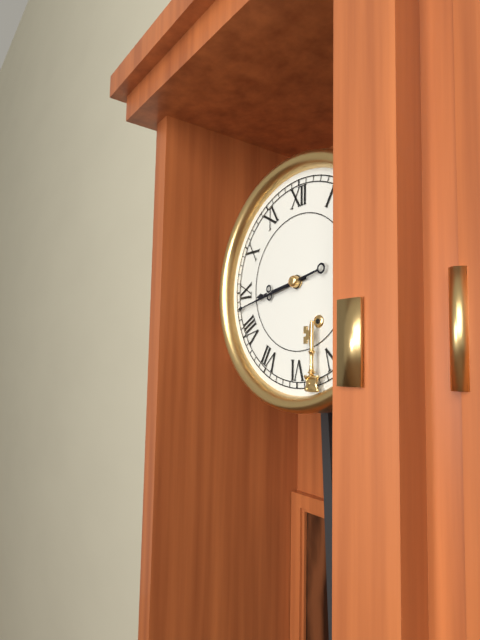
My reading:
{"hour": 8, "minute": 43}
